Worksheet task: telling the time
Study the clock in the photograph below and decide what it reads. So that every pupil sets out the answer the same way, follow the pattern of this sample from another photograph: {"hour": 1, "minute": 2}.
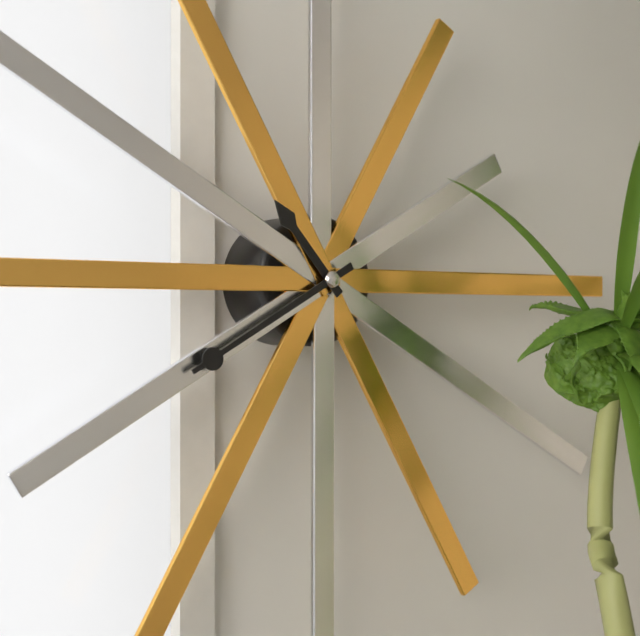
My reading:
{"hour": 10, "minute": 40}
